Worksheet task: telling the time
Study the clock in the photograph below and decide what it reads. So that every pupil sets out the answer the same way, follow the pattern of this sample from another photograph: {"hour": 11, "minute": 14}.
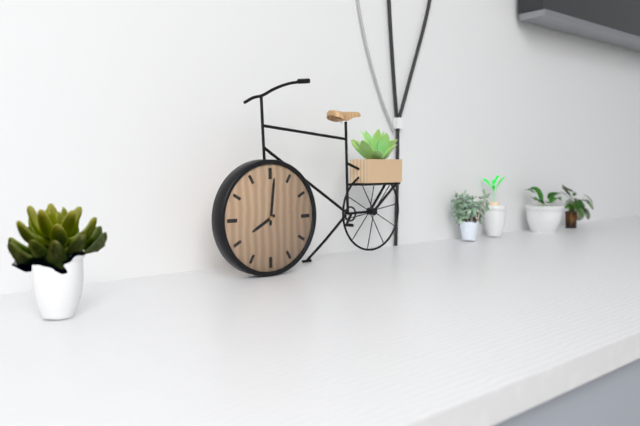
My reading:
{"hour": 8, "minute": 1}
